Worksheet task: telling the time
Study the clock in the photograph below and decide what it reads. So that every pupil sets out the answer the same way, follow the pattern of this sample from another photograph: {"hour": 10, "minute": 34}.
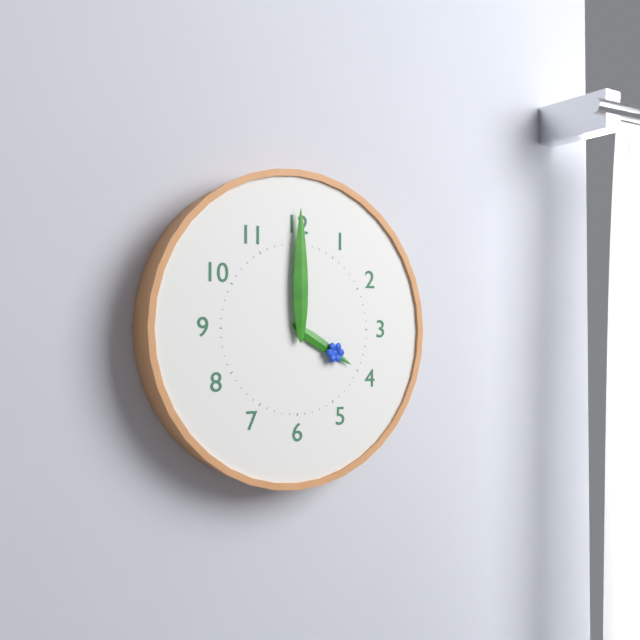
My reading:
{"hour": 4, "minute": 0}
